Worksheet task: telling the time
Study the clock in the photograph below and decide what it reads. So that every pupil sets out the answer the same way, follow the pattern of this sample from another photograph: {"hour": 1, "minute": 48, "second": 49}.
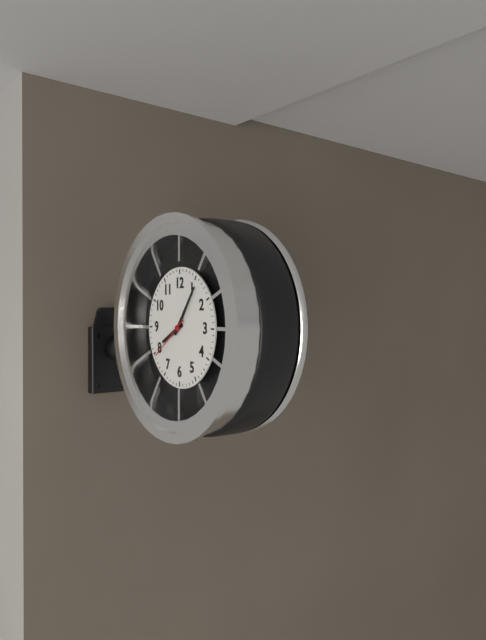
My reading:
{"hour": 8, "minute": 6, "second": 39}
